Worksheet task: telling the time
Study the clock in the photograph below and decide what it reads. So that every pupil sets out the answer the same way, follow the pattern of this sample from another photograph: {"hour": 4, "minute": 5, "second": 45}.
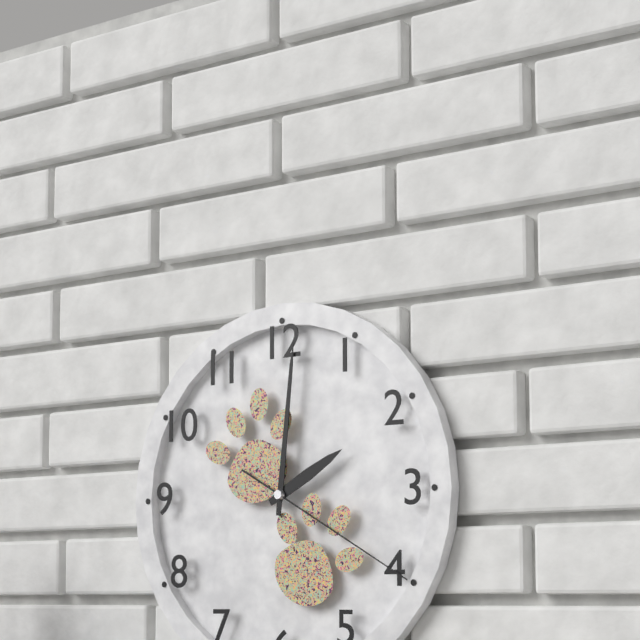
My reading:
{"hour": 2, "minute": 1, "second": 20}
